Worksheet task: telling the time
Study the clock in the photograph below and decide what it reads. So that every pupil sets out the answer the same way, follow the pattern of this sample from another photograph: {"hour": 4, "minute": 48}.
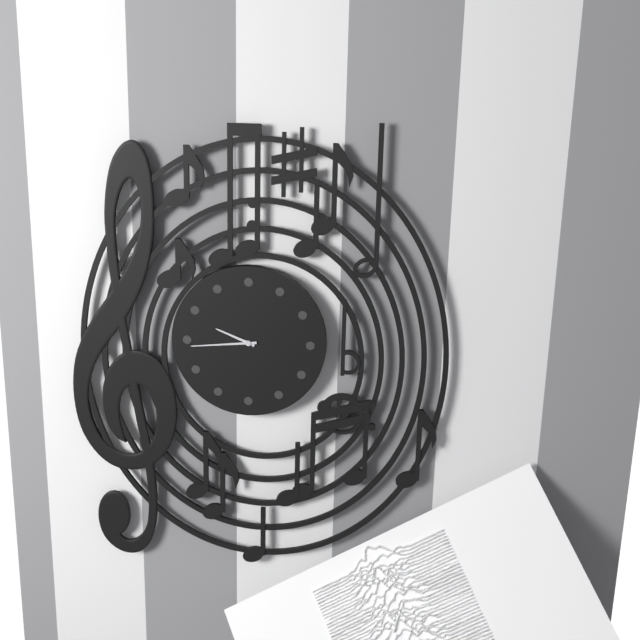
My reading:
{"hour": 9, "minute": 44}
